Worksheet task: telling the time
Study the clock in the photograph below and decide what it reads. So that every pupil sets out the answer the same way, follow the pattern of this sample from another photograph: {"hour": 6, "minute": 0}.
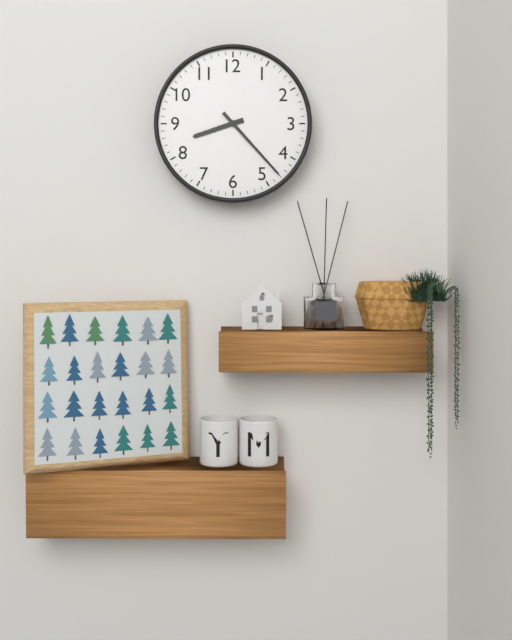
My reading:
{"hour": 8, "minute": 23}
